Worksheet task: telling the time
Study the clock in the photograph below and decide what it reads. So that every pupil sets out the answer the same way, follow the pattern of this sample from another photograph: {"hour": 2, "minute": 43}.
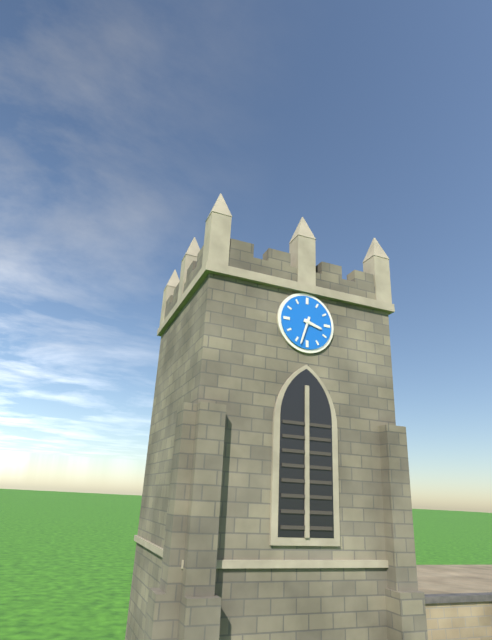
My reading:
{"hour": 3, "minute": 33}
